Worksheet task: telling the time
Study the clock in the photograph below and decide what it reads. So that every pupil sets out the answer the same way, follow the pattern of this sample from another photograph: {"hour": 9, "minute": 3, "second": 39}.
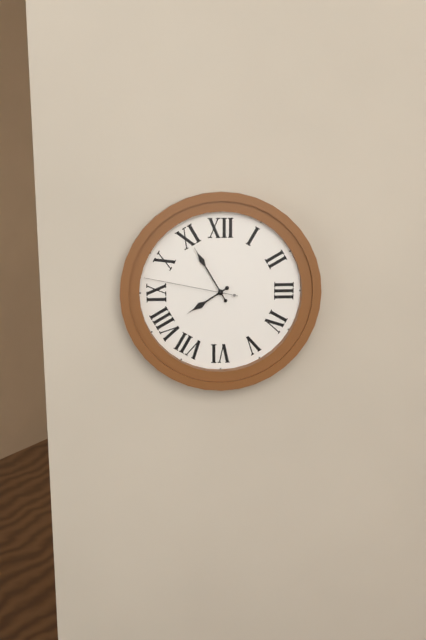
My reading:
{"hour": 7, "minute": 55, "second": 47}
